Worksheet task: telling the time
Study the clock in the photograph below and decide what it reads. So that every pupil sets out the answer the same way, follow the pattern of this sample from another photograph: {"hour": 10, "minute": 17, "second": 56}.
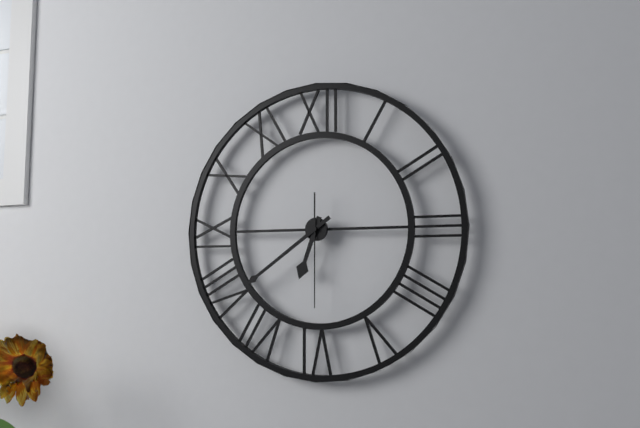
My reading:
{"hour": 6, "minute": 39, "second": 30}
